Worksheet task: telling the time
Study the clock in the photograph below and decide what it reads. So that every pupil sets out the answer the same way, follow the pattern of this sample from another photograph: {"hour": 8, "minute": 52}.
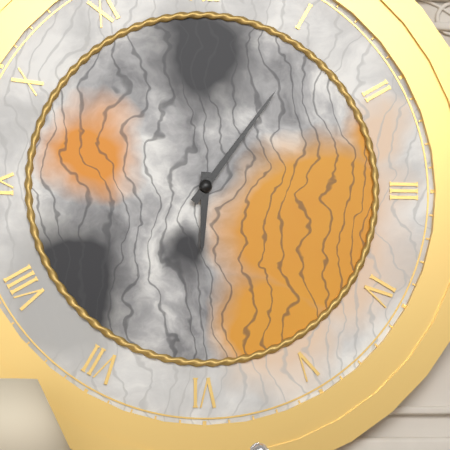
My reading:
{"hour": 6, "minute": 6}
